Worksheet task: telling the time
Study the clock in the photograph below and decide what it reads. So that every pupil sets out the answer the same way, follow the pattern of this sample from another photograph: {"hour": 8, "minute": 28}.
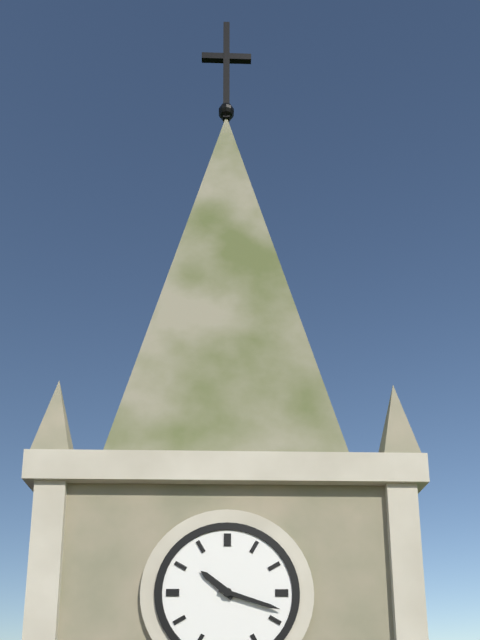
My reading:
{"hour": 10, "minute": 18}
